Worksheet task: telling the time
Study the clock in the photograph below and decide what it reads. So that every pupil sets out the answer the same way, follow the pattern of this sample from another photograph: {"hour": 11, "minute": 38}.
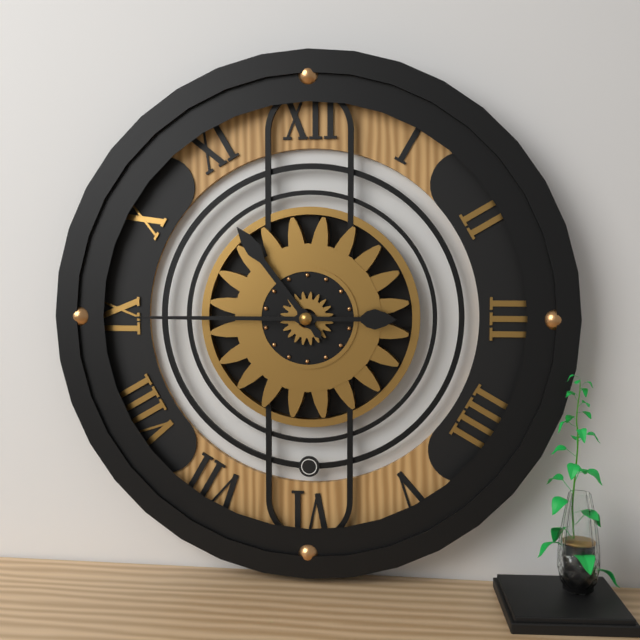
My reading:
{"hour": 10, "minute": 45}
